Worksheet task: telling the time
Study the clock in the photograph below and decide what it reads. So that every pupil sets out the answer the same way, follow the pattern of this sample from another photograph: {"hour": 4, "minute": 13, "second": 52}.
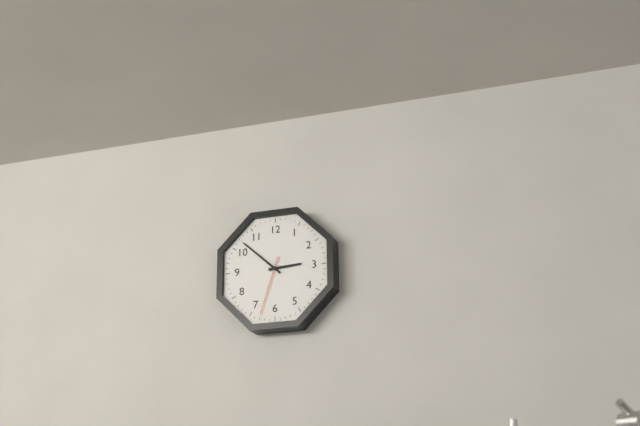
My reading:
{"hour": 2, "minute": 52, "second": 33}
